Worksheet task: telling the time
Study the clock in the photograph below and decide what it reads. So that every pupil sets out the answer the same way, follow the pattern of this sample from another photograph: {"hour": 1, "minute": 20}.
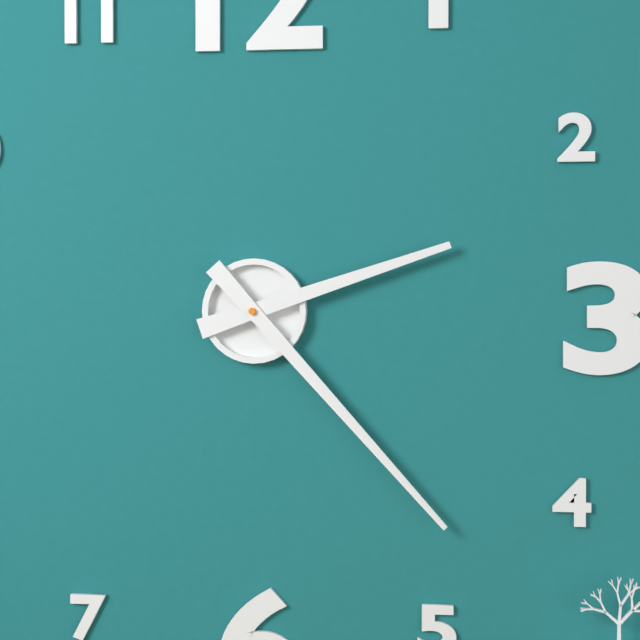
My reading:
{"hour": 2, "minute": 23}
